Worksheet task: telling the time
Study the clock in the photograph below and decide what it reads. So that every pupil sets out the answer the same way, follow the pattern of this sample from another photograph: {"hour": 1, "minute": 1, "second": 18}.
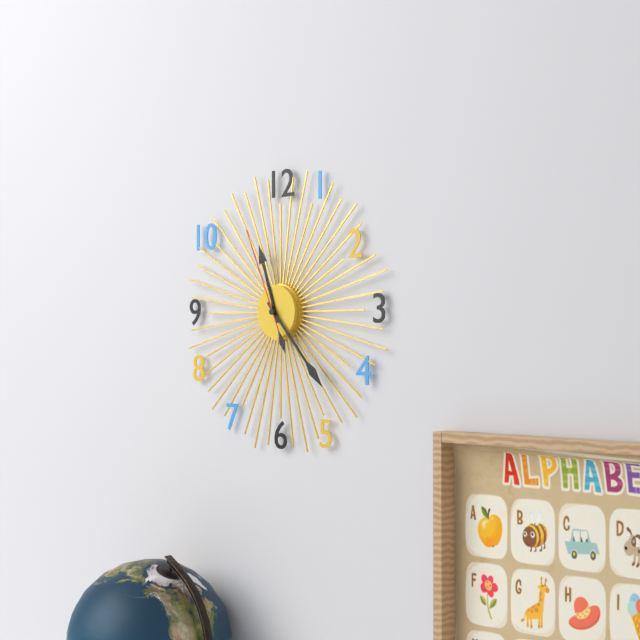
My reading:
{"hour": 11, "minute": 23, "second": 56}
